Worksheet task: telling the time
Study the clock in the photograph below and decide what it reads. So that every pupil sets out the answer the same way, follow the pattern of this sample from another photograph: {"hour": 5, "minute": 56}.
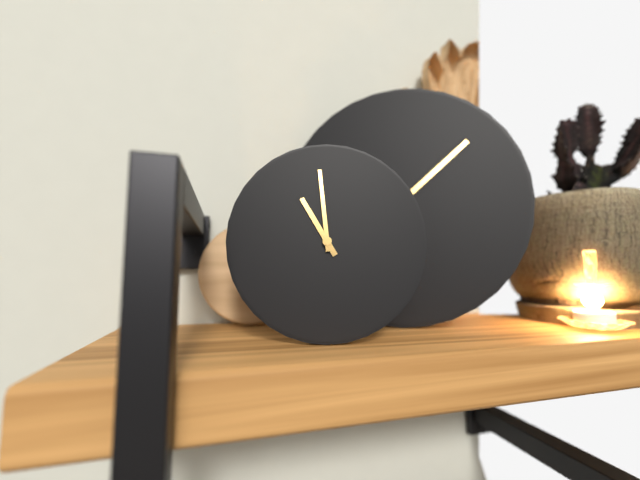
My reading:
{"hour": 10, "minute": 59}
